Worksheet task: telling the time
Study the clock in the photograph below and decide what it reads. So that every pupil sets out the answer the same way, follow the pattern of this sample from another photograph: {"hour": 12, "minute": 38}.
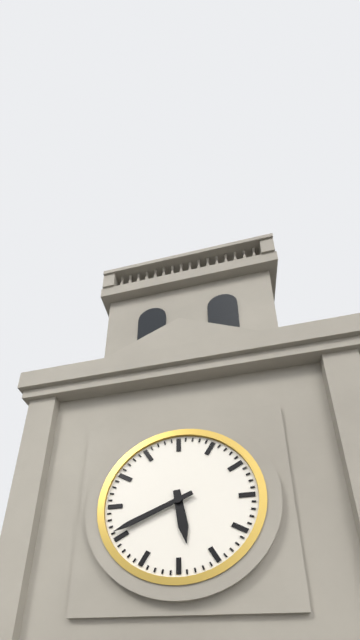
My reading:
{"hour": 5, "minute": 41}
